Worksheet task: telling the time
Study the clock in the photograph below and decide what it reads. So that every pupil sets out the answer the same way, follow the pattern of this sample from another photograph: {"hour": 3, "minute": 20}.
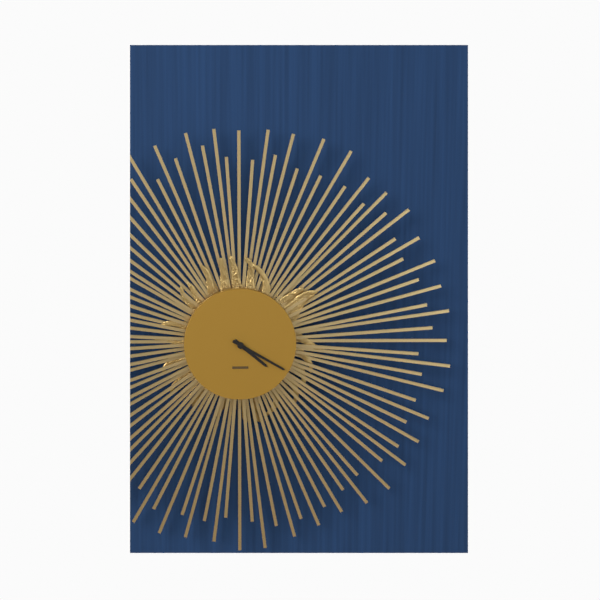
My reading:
{"hour": 4, "minute": 20}
